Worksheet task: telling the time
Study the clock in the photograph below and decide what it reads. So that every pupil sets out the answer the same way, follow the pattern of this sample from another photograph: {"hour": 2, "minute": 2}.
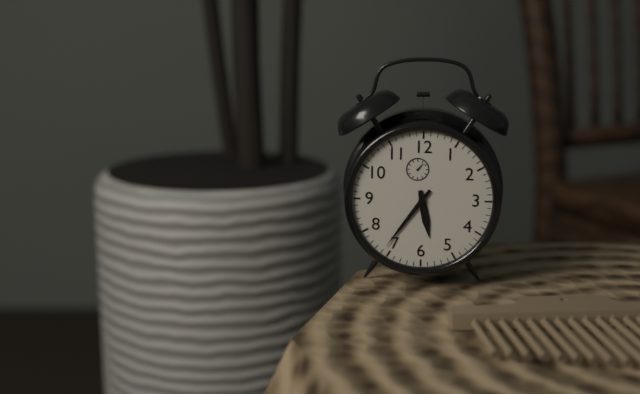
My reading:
{"hour": 5, "minute": 36}
